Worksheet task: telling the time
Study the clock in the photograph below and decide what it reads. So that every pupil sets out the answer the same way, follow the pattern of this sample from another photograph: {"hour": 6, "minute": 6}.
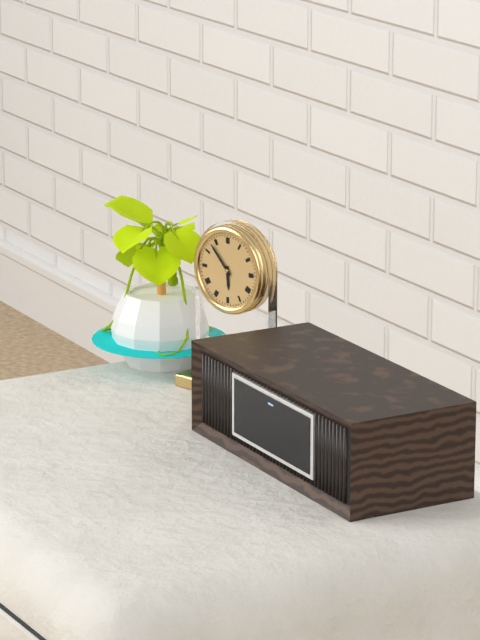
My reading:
{"hour": 5, "minute": 53}
